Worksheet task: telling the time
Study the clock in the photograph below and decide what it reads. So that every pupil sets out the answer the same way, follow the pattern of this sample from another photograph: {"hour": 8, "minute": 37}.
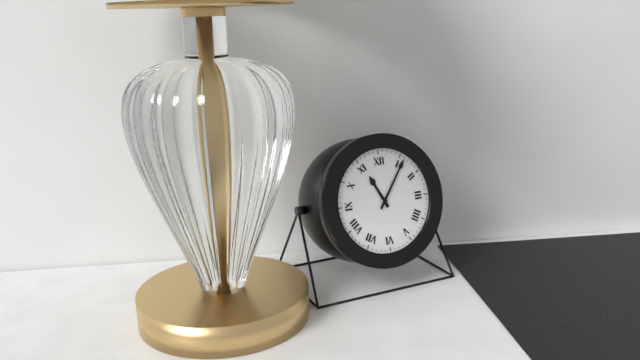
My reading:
{"hour": 11, "minute": 6}
